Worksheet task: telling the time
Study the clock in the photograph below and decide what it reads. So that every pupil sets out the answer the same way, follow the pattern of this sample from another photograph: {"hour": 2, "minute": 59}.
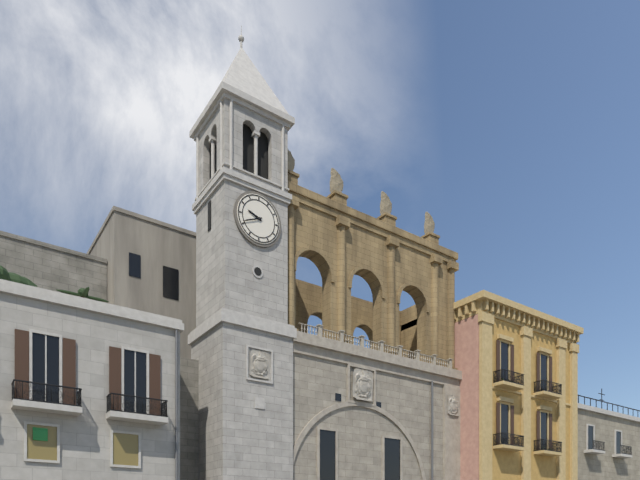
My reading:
{"hour": 9, "minute": 41}
